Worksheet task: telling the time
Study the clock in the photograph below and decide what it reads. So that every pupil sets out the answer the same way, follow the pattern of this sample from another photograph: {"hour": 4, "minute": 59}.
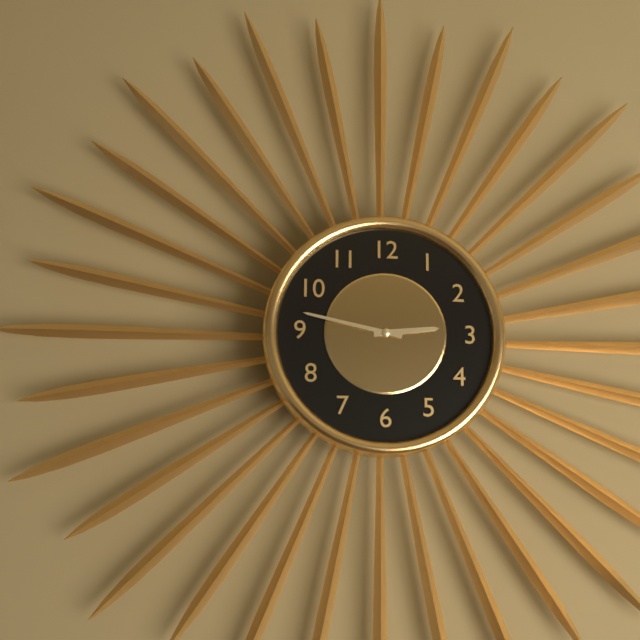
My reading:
{"hour": 2, "minute": 47}
